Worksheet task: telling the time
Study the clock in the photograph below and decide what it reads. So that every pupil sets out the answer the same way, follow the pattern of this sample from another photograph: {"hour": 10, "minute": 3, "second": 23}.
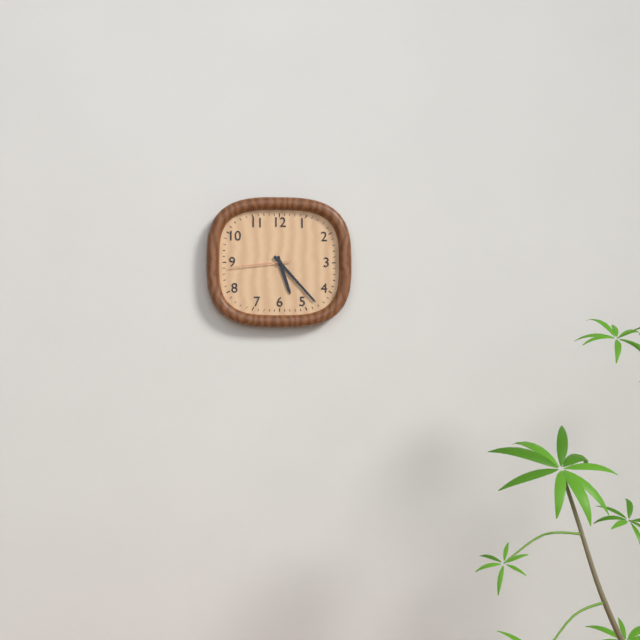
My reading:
{"hour": 5, "minute": 23, "second": 44}
